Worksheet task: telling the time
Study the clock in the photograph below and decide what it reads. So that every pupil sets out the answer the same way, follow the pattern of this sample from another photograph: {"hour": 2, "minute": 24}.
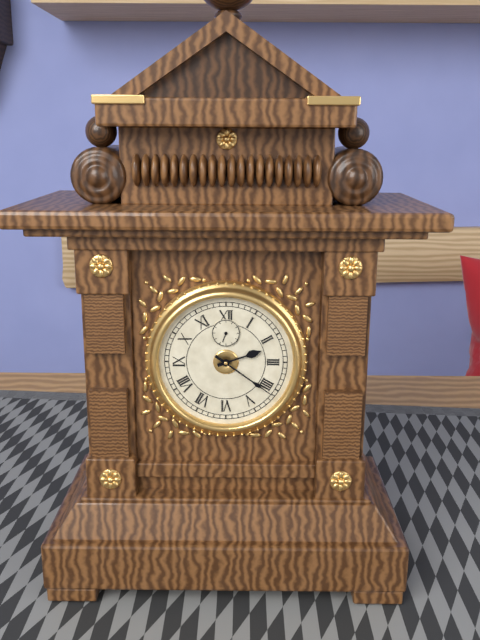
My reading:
{"hour": 2, "minute": 21}
